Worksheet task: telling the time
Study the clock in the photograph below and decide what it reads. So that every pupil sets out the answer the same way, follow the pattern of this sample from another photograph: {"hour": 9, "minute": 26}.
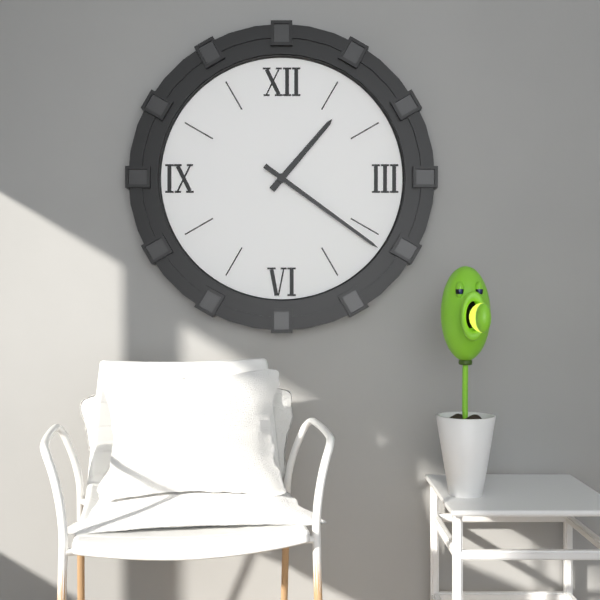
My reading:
{"hour": 1, "minute": 21}
